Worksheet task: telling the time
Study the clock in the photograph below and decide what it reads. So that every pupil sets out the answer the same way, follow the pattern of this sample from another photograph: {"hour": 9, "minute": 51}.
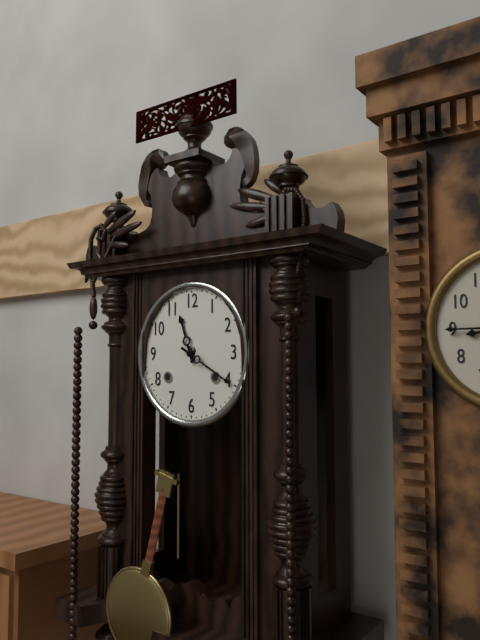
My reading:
{"hour": 11, "minute": 20}
